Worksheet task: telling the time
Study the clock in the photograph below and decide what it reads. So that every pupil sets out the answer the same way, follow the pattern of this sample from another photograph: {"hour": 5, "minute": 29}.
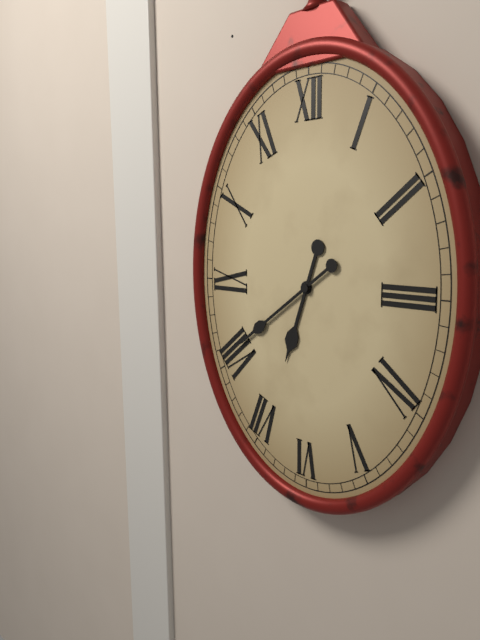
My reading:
{"hour": 6, "minute": 39}
